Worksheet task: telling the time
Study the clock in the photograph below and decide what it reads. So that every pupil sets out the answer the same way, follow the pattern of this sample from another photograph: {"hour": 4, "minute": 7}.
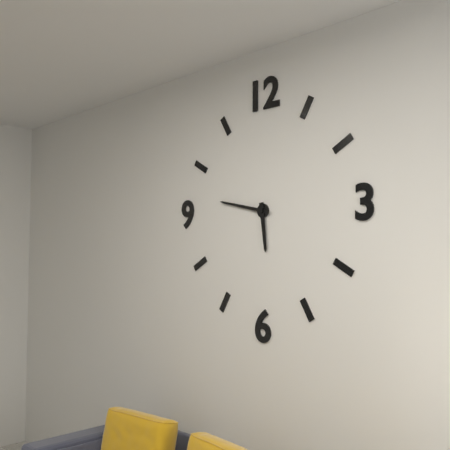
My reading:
{"hour": 5, "minute": 47}
